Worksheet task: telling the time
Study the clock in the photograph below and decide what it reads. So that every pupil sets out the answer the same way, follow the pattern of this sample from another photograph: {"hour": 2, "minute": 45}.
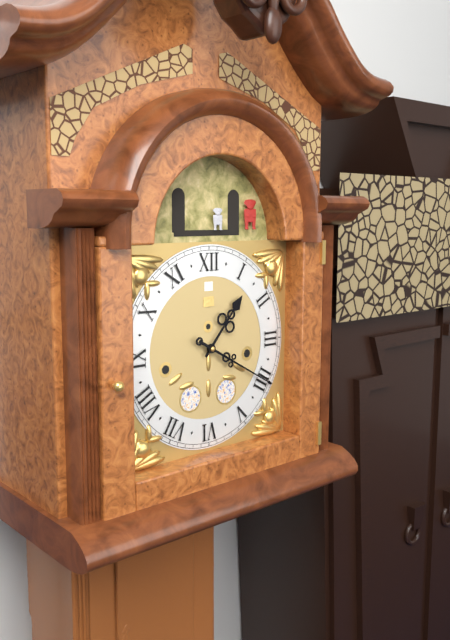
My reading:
{"hour": 1, "minute": 20}
